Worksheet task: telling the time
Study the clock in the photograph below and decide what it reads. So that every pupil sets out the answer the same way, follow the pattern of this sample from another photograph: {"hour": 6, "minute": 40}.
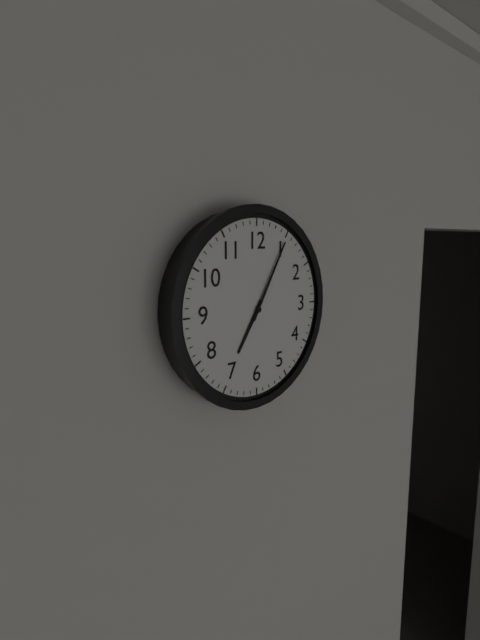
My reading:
{"hour": 7, "minute": 5}
